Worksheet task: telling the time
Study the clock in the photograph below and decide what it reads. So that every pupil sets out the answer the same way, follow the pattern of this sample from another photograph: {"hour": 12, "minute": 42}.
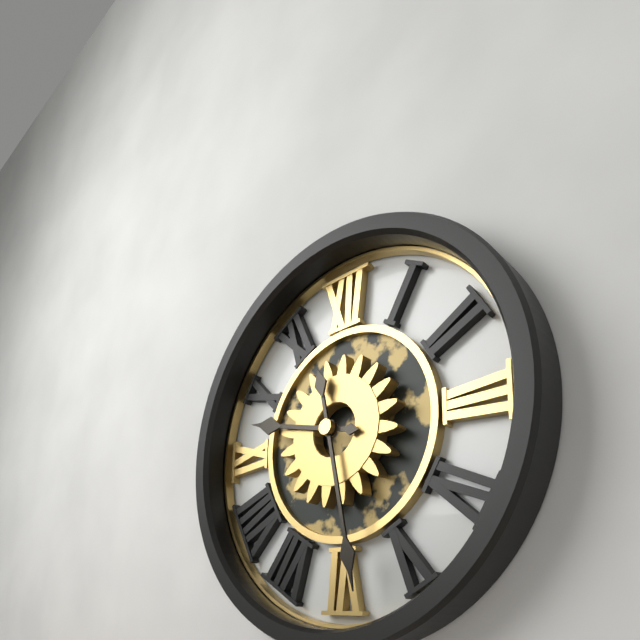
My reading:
{"hour": 9, "minute": 28}
